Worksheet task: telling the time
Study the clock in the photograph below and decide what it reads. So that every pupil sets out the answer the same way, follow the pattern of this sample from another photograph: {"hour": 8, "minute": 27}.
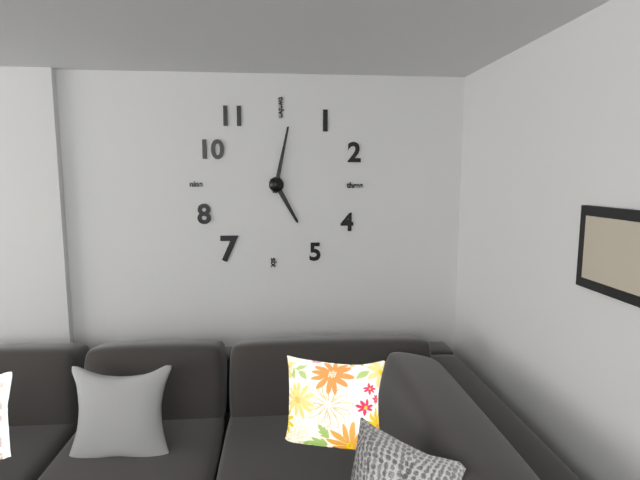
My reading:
{"hour": 5, "minute": 2}
